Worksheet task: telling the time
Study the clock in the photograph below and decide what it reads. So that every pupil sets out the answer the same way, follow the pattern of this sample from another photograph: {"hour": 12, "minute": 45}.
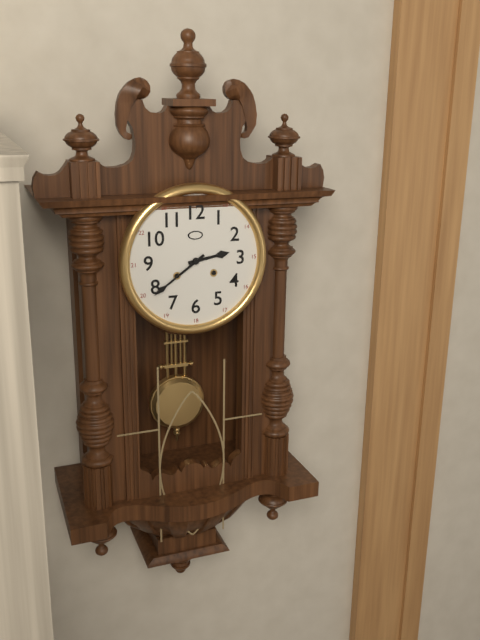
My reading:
{"hour": 2, "minute": 39}
